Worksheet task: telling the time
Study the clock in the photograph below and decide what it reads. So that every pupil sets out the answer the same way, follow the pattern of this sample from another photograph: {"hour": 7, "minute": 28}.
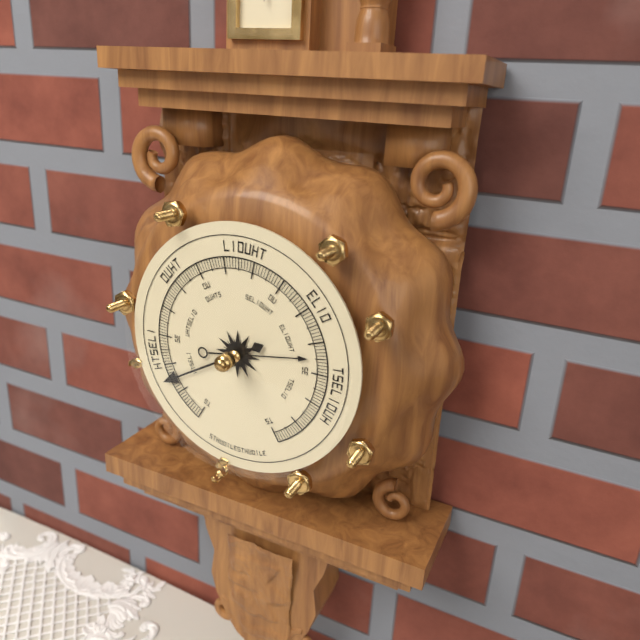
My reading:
{"hour": 2, "minute": 40}
